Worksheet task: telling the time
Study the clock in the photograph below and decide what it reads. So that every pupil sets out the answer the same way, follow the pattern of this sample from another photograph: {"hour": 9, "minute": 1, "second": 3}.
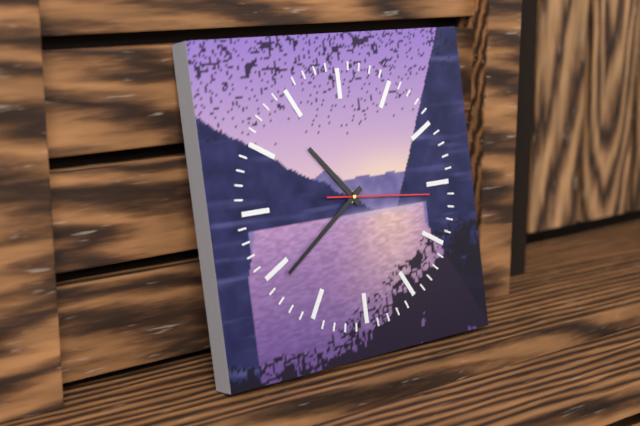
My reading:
{"hour": 10, "minute": 39, "second": 16}
